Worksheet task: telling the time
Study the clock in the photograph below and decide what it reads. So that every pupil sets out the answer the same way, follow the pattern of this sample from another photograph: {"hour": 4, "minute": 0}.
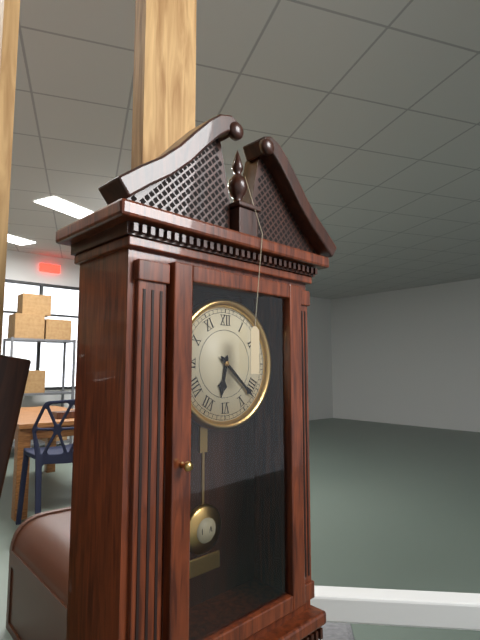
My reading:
{"hour": 6, "minute": 22}
